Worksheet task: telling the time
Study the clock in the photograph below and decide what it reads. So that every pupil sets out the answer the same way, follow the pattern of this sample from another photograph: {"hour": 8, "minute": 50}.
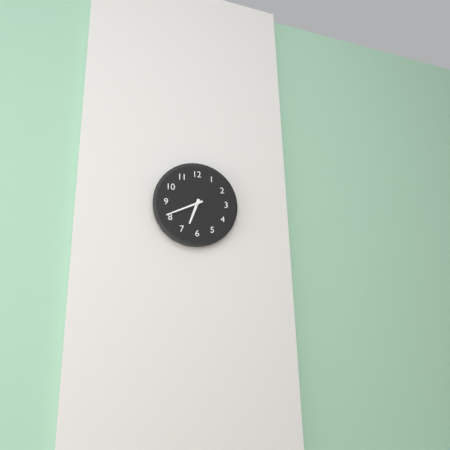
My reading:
{"hour": 6, "minute": 41}
